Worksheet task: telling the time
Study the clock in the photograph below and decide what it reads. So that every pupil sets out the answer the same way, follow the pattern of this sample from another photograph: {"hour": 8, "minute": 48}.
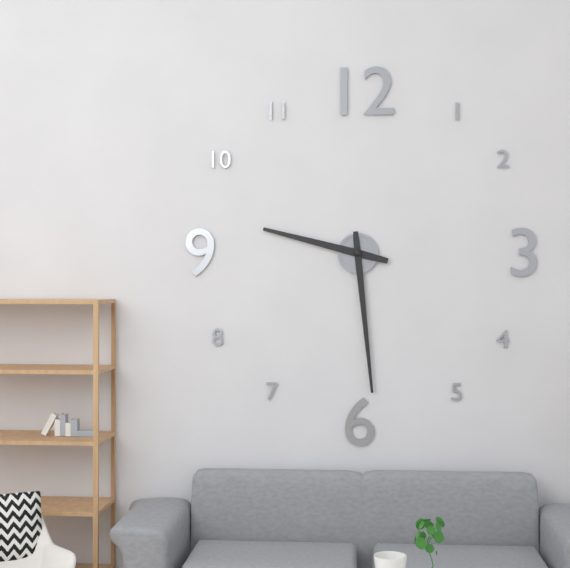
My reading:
{"hour": 9, "minute": 29}
